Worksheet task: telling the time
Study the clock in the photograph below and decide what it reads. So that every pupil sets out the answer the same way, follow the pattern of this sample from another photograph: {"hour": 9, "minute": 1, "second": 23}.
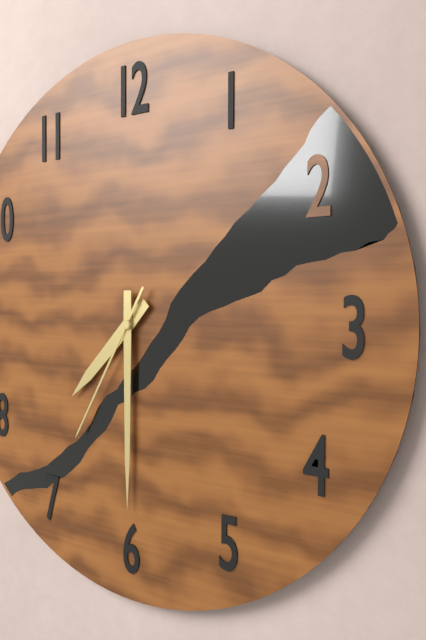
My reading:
{"hour": 7, "minute": 30, "second": 35}
